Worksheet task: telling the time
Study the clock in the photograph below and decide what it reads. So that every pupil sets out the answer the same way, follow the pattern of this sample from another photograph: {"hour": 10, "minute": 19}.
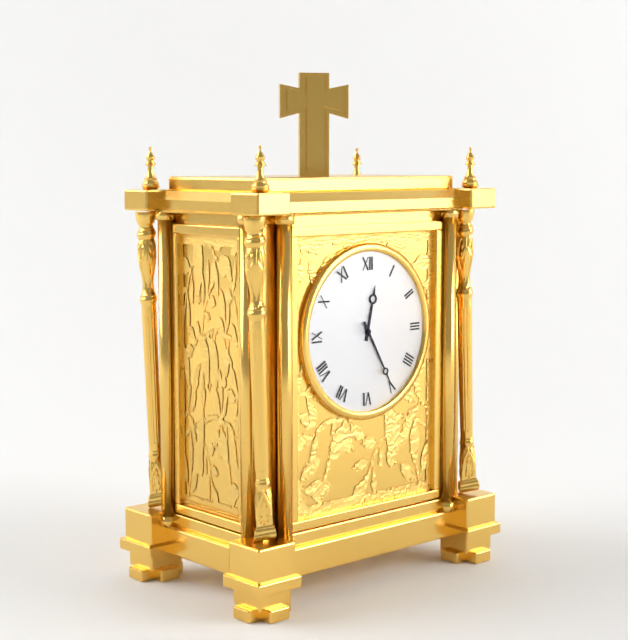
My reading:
{"hour": 12, "minute": 25}
